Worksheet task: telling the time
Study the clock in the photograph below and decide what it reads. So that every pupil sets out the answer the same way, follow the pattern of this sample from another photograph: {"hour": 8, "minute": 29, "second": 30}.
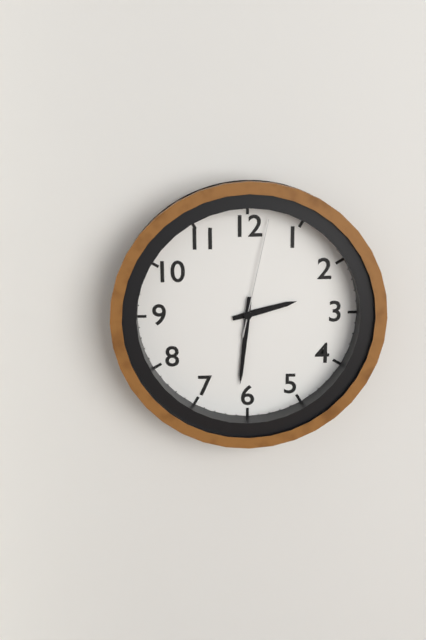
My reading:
{"hour": 2, "minute": 31, "second": 2}
